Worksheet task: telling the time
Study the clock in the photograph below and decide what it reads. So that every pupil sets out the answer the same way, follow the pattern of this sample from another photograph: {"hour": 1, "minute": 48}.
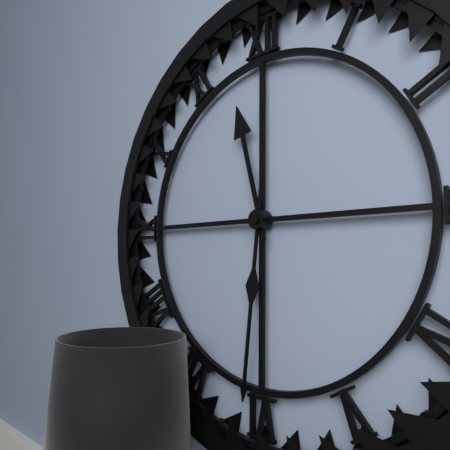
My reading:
{"hour": 11, "minute": 31}
